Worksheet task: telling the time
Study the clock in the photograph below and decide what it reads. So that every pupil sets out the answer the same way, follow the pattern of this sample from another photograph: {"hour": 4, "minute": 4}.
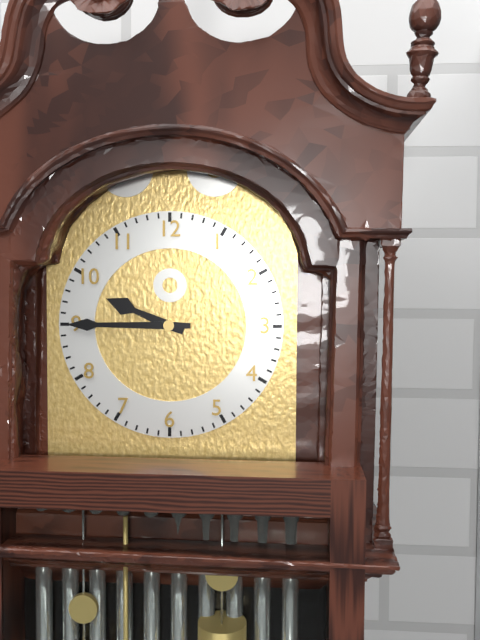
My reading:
{"hour": 9, "minute": 45}
